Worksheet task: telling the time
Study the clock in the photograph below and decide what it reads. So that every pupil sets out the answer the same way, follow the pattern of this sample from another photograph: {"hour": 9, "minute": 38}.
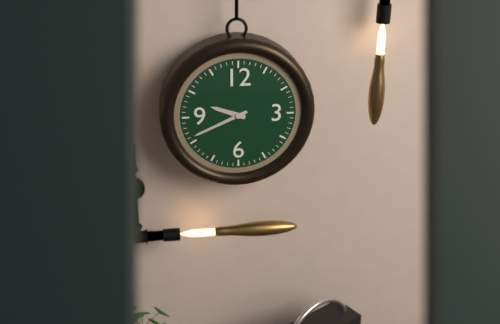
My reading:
{"hour": 9, "minute": 41}
